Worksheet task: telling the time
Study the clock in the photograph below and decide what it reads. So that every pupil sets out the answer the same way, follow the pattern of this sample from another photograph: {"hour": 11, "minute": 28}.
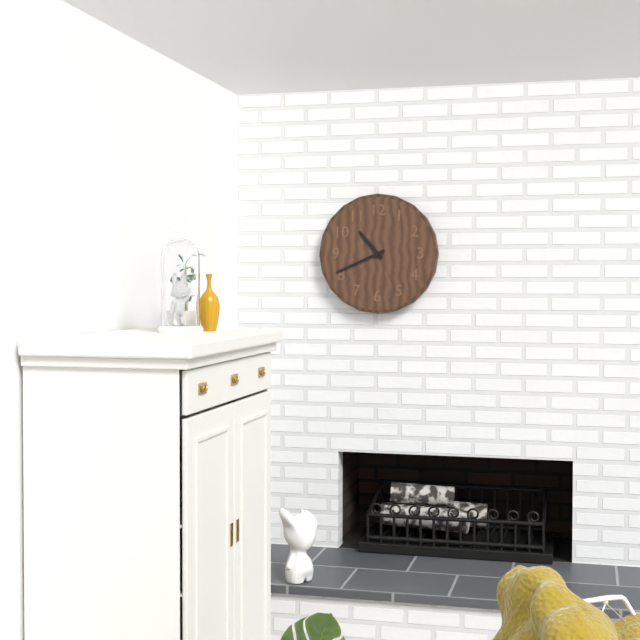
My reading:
{"hour": 10, "minute": 41}
